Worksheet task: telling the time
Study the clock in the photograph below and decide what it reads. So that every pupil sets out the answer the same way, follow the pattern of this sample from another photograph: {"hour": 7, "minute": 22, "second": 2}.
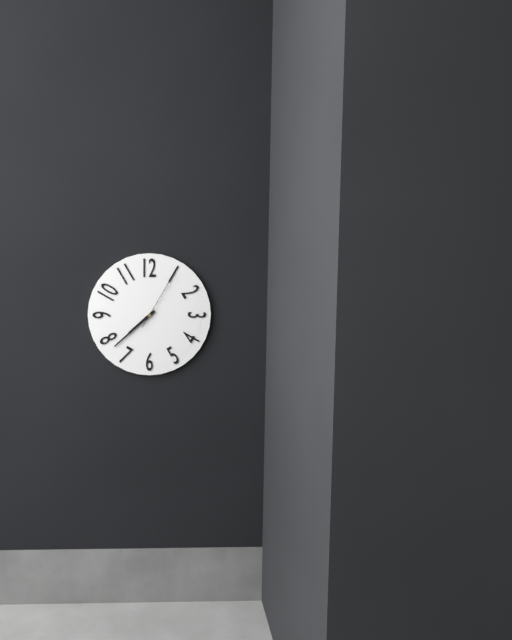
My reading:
{"hour": 7, "minute": 38, "second": 5}
